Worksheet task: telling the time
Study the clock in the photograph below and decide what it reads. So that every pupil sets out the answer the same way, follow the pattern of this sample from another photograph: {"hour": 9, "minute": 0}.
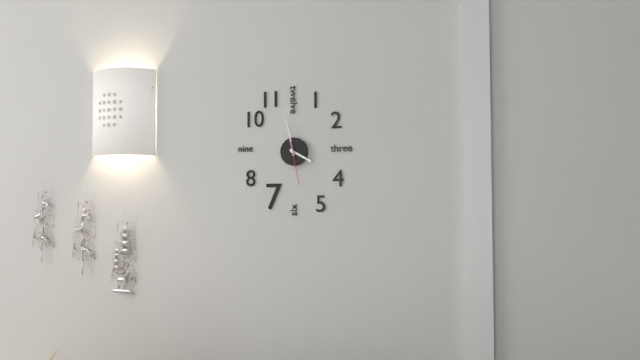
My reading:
{"hour": 3, "minute": 58}
